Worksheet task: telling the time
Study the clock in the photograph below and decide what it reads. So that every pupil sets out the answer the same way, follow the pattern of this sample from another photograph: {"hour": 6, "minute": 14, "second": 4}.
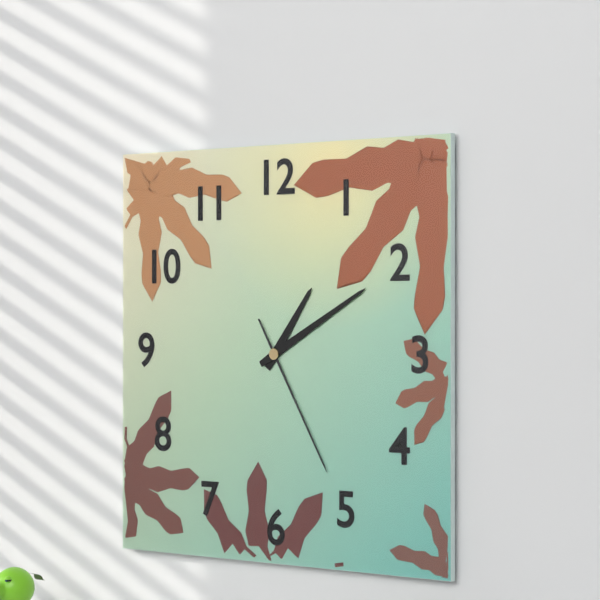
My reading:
{"hour": 1, "minute": 10, "second": 25}
